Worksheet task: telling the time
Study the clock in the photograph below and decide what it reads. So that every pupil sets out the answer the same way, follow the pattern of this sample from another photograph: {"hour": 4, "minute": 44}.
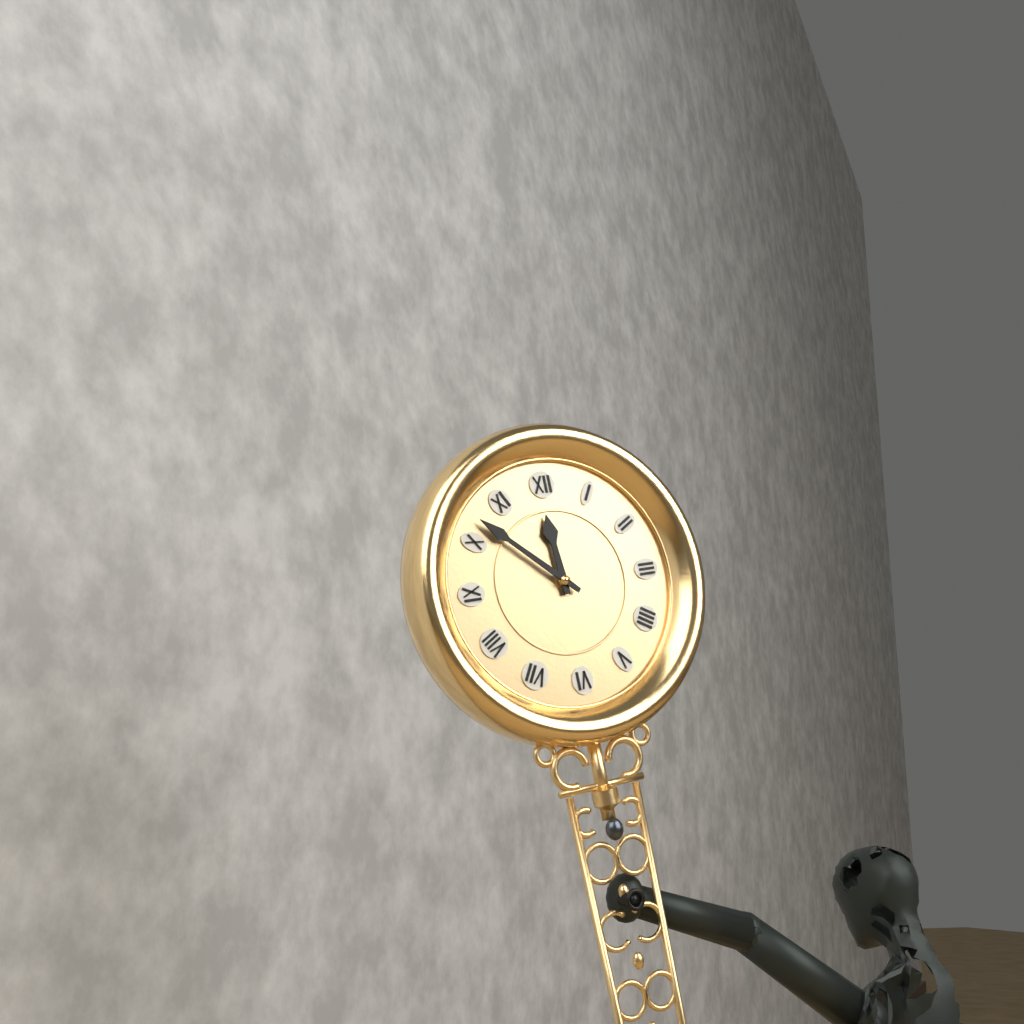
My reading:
{"hour": 11, "minute": 52}
